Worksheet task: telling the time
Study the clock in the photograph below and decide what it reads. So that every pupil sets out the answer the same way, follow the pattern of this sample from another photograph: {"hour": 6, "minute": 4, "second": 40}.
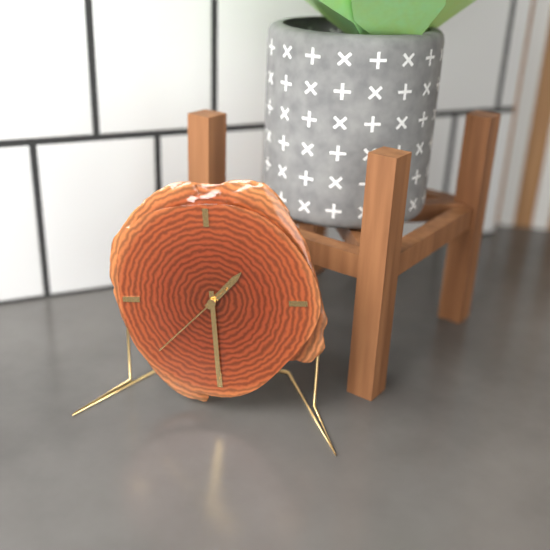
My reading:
{"hour": 1, "minute": 30, "second": 38}
